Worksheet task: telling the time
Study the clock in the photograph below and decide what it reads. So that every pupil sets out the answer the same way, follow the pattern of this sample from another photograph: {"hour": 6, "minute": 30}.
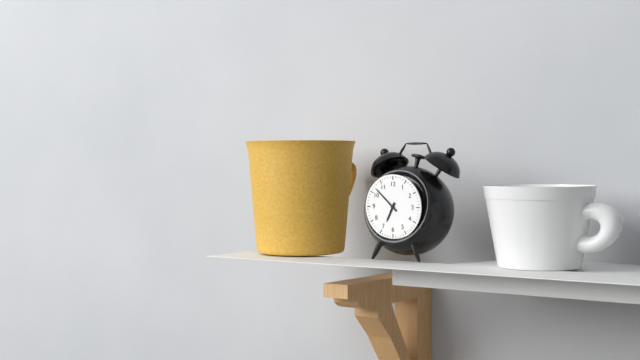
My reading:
{"hour": 6, "minute": 52}
